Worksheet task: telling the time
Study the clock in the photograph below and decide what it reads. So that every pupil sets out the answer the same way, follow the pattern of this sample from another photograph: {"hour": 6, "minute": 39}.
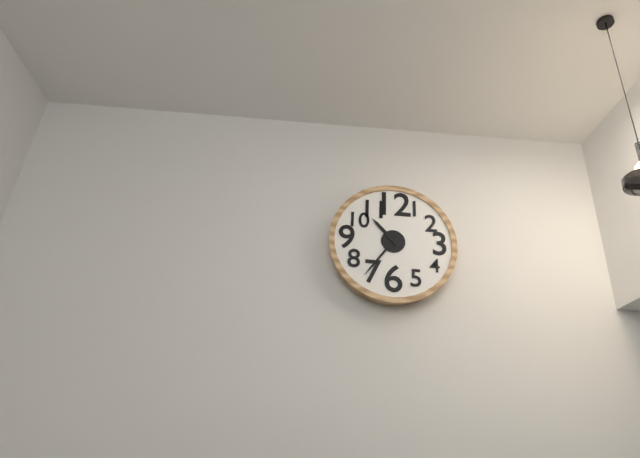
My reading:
{"hour": 10, "minute": 36}
